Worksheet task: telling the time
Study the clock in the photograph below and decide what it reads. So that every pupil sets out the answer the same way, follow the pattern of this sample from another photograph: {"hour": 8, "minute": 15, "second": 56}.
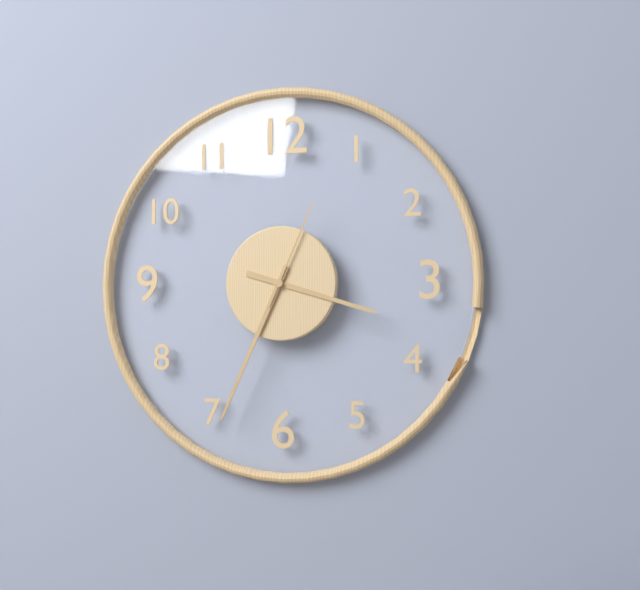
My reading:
{"hour": 3, "minute": 34, "second": 4}
